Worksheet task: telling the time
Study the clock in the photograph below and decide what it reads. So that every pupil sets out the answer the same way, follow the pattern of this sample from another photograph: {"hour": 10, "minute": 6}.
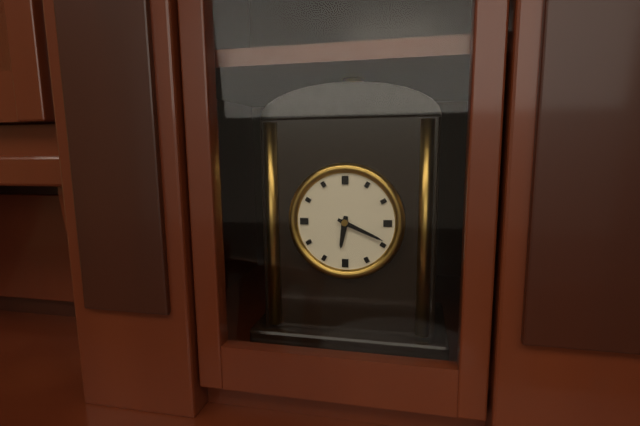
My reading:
{"hour": 6, "minute": 19}
